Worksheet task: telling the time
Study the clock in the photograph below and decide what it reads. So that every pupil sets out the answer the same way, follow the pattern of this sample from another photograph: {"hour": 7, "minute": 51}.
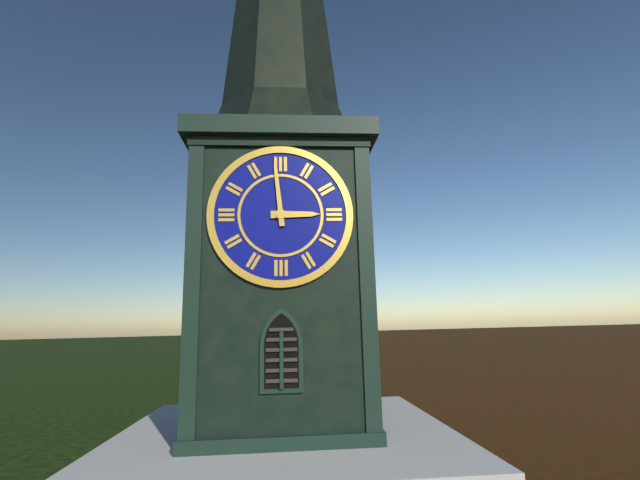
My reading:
{"hour": 2, "minute": 59}
